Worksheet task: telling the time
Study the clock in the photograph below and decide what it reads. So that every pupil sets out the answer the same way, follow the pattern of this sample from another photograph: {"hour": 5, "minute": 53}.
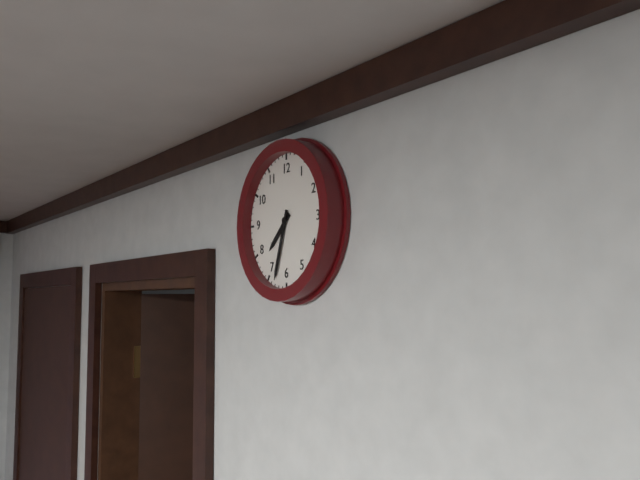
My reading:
{"hour": 7, "minute": 33}
